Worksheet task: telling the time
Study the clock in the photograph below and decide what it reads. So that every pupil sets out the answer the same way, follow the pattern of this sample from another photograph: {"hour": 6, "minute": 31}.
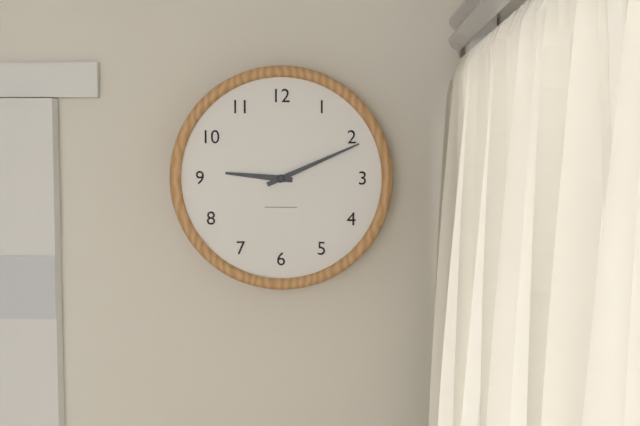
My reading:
{"hour": 9, "minute": 11}
